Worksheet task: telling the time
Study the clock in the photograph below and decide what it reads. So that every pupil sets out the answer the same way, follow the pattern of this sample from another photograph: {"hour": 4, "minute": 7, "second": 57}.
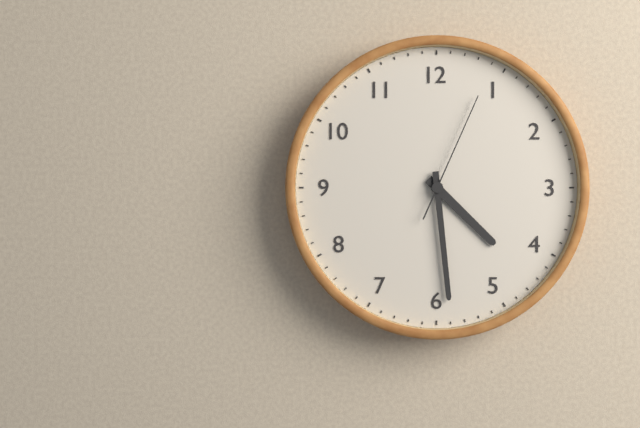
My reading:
{"hour": 4, "minute": 29, "second": 4}
